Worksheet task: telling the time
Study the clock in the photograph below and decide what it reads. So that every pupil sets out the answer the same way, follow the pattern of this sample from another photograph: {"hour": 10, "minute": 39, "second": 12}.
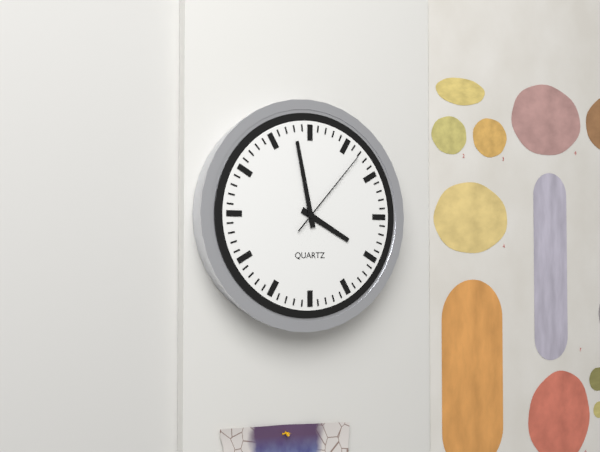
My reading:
{"hour": 3, "minute": 58, "second": 7}
